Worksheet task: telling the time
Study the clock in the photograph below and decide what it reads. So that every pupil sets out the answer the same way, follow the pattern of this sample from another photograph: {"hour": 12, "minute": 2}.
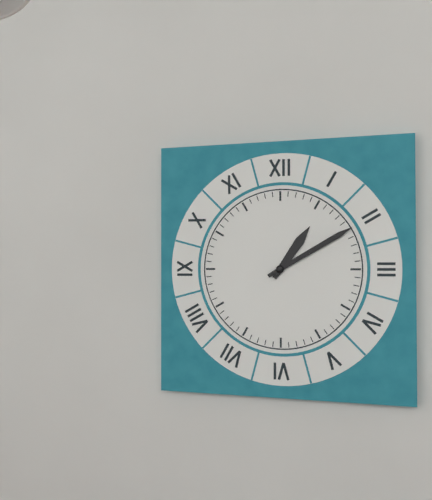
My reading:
{"hour": 1, "minute": 10}
